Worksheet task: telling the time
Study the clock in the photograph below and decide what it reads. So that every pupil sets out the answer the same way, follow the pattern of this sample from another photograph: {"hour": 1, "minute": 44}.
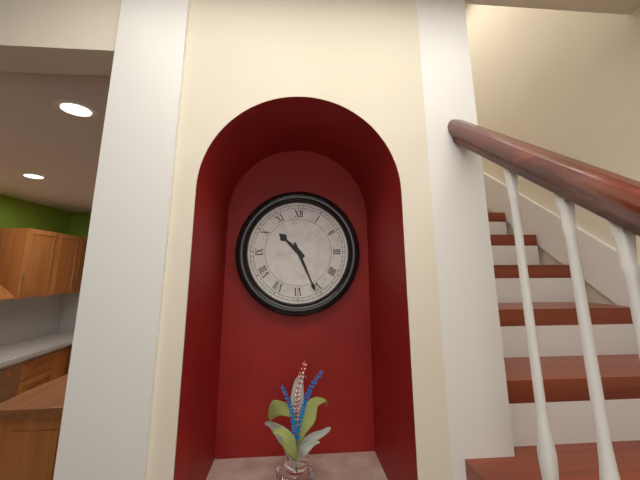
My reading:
{"hour": 10, "minute": 26}
